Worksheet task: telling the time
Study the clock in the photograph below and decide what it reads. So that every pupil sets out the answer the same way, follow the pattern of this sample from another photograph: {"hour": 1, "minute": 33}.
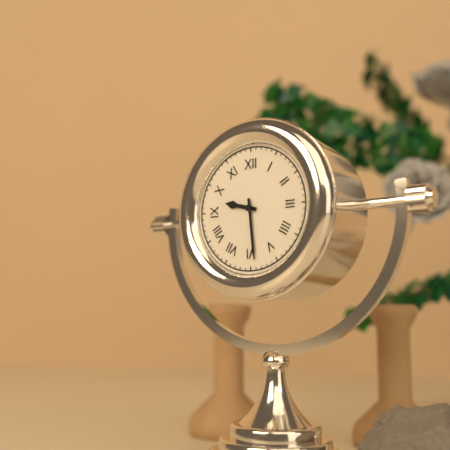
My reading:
{"hour": 9, "minute": 29}
